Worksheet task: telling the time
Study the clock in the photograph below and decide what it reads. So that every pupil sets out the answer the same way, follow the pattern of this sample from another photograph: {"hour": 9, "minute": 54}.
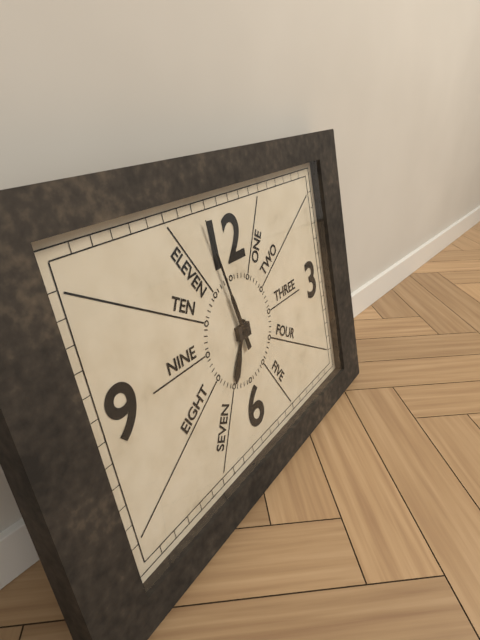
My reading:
{"hour": 6, "minute": 58}
